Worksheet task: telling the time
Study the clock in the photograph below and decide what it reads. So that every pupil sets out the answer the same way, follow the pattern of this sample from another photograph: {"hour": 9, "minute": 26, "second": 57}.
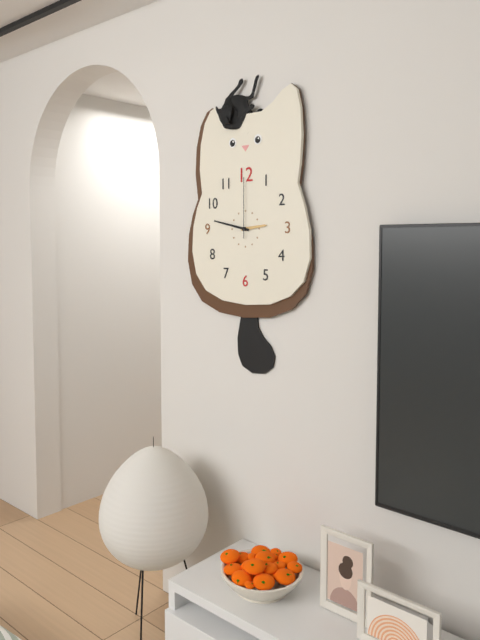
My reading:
{"hour": 2, "minute": 47, "second": 0}
